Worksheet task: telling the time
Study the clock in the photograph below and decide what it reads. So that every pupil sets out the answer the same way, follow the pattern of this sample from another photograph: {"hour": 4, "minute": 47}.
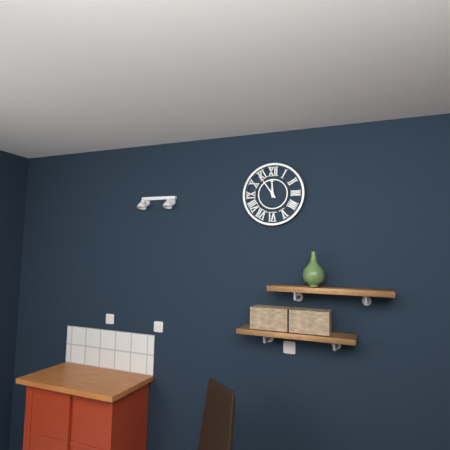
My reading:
{"hour": 11, "minute": 54}
